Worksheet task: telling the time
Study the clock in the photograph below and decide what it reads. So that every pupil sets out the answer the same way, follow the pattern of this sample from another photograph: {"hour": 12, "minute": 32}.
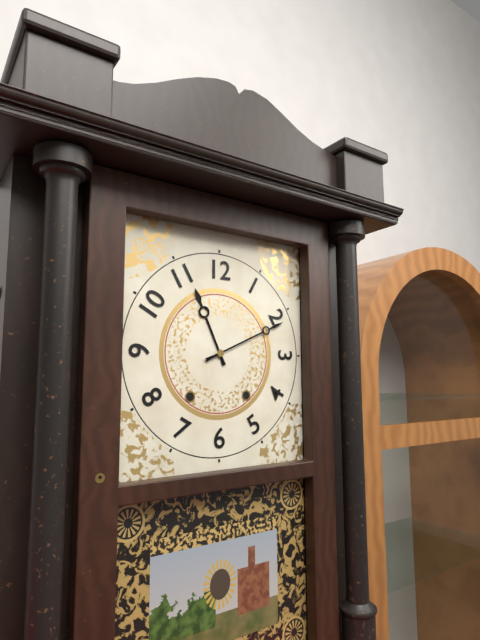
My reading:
{"hour": 11, "minute": 11}
